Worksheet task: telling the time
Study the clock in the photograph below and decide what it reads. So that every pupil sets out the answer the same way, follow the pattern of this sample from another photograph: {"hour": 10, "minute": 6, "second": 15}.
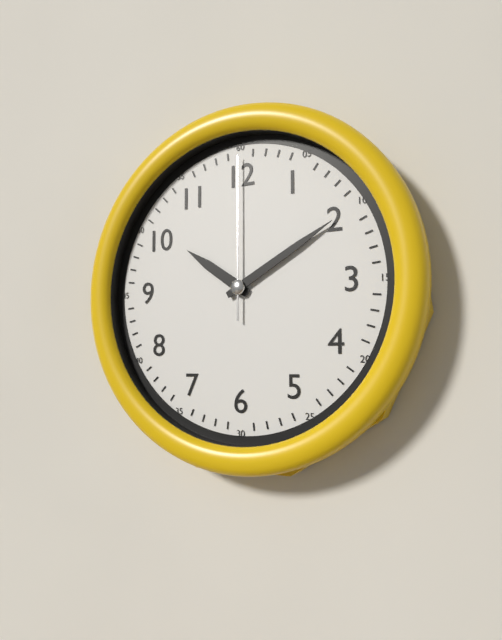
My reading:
{"hour": 10, "minute": 10, "second": 0}
